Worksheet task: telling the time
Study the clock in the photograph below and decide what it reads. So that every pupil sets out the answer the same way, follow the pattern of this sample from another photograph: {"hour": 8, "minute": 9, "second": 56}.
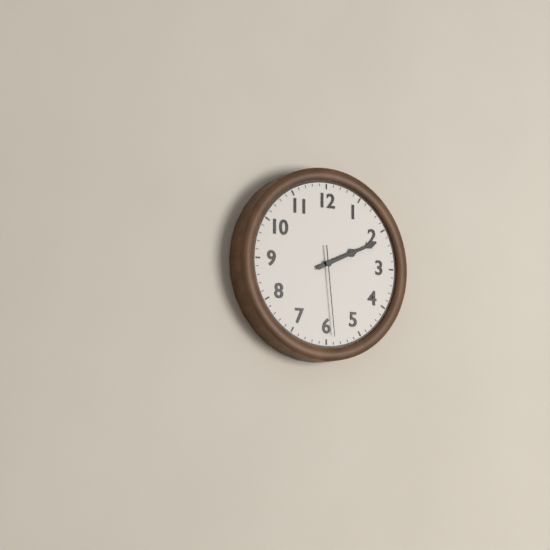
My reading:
{"hour": 2, "minute": 11, "second": 29}
